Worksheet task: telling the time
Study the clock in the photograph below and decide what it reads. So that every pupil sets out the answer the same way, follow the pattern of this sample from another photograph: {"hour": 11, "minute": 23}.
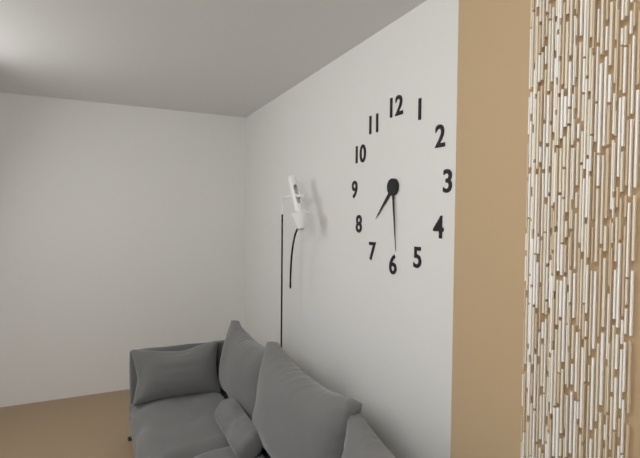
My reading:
{"hour": 7, "minute": 29}
